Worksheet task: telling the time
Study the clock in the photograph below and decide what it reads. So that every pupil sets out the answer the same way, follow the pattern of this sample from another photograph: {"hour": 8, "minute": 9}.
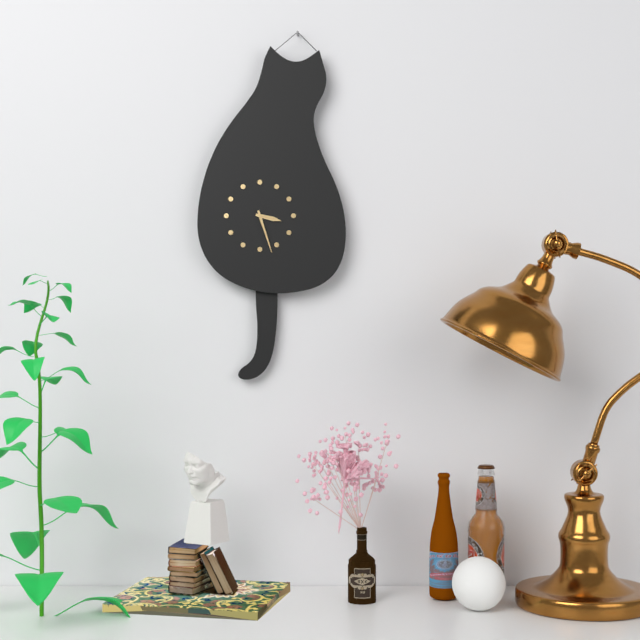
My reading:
{"hour": 3, "minute": 27}
